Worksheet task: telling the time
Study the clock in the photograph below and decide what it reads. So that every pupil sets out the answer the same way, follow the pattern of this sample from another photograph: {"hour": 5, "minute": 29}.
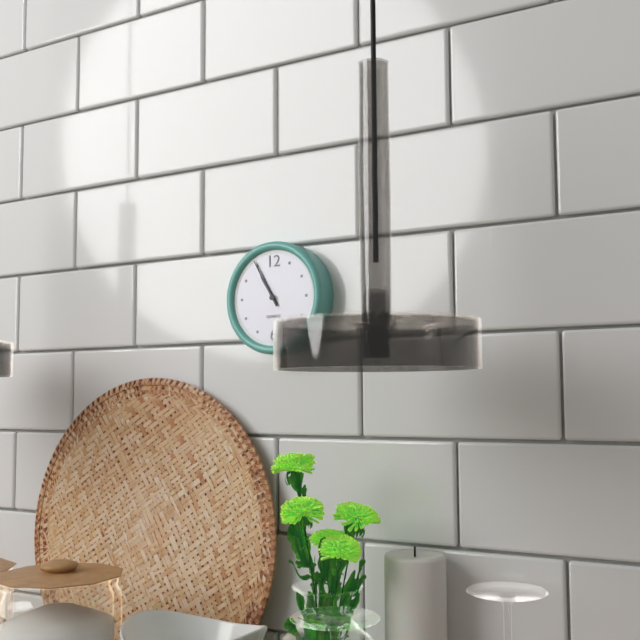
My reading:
{"hour": 10, "minute": 55}
